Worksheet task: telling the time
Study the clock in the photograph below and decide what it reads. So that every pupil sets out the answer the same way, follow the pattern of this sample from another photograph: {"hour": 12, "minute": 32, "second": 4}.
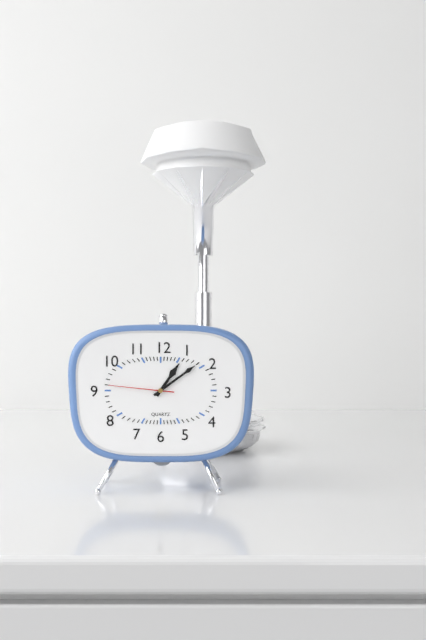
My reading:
{"hour": 1, "minute": 9, "second": 46}
